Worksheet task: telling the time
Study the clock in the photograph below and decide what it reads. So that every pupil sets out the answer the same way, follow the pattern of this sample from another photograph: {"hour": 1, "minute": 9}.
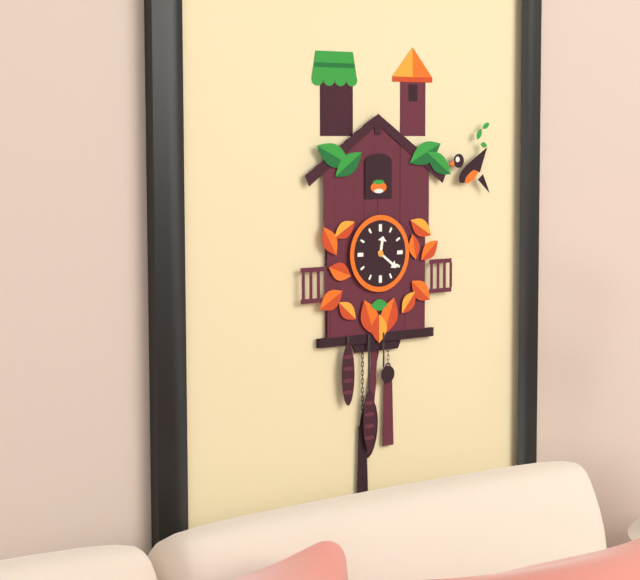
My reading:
{"hour": 12, "minute": 21}
